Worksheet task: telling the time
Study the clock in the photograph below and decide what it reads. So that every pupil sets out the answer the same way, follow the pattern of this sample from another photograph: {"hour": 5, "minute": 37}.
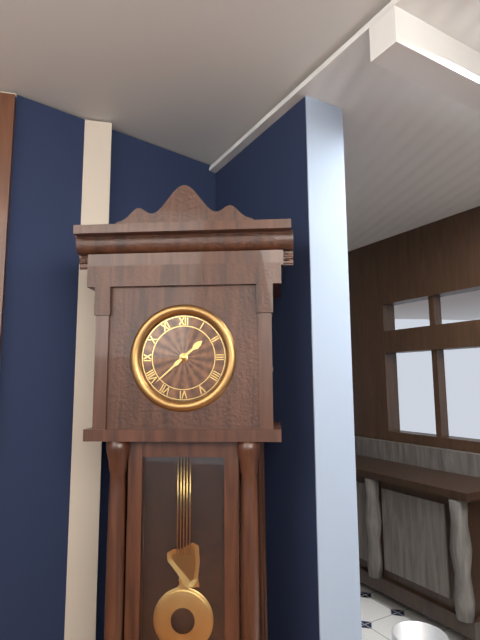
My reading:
{"hour": 1, "minute": 38}
